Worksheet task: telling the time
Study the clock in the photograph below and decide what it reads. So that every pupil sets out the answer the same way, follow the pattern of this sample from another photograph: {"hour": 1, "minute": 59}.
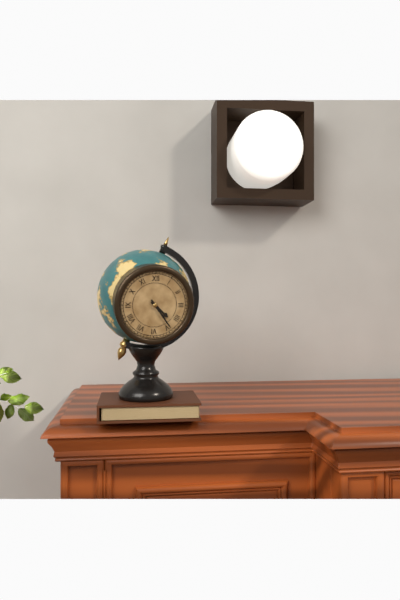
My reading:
{"hour": 4, "minute": 24}
